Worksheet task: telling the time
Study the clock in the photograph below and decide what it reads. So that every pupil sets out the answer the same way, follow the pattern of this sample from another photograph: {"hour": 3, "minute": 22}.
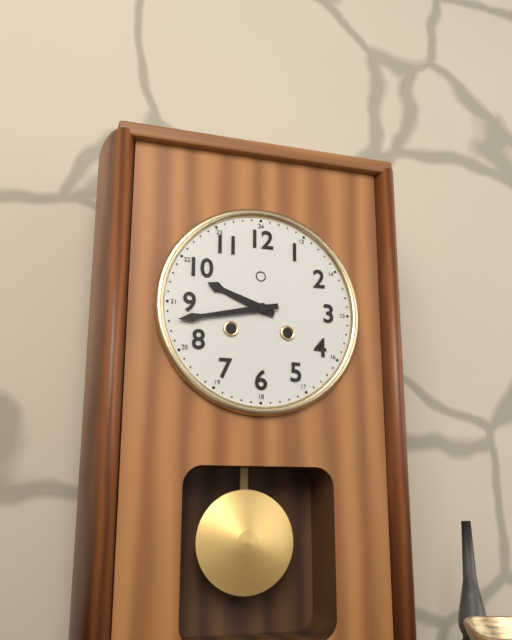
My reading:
{"hour": 9, "minute": 43}
